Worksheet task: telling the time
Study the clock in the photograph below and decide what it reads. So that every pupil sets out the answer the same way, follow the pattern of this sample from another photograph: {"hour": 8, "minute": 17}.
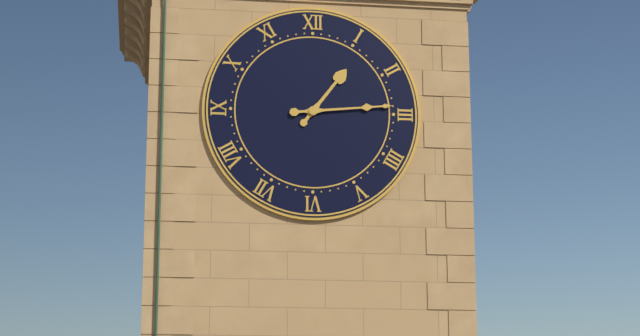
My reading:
{"hour": 1, "minute": 14}
